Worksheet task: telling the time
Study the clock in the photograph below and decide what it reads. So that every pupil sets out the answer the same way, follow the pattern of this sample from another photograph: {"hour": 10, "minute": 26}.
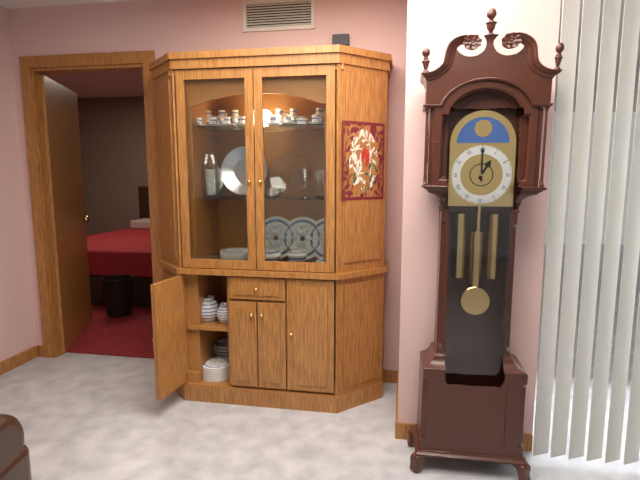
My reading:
{"hour": 1, "minute": 0}
